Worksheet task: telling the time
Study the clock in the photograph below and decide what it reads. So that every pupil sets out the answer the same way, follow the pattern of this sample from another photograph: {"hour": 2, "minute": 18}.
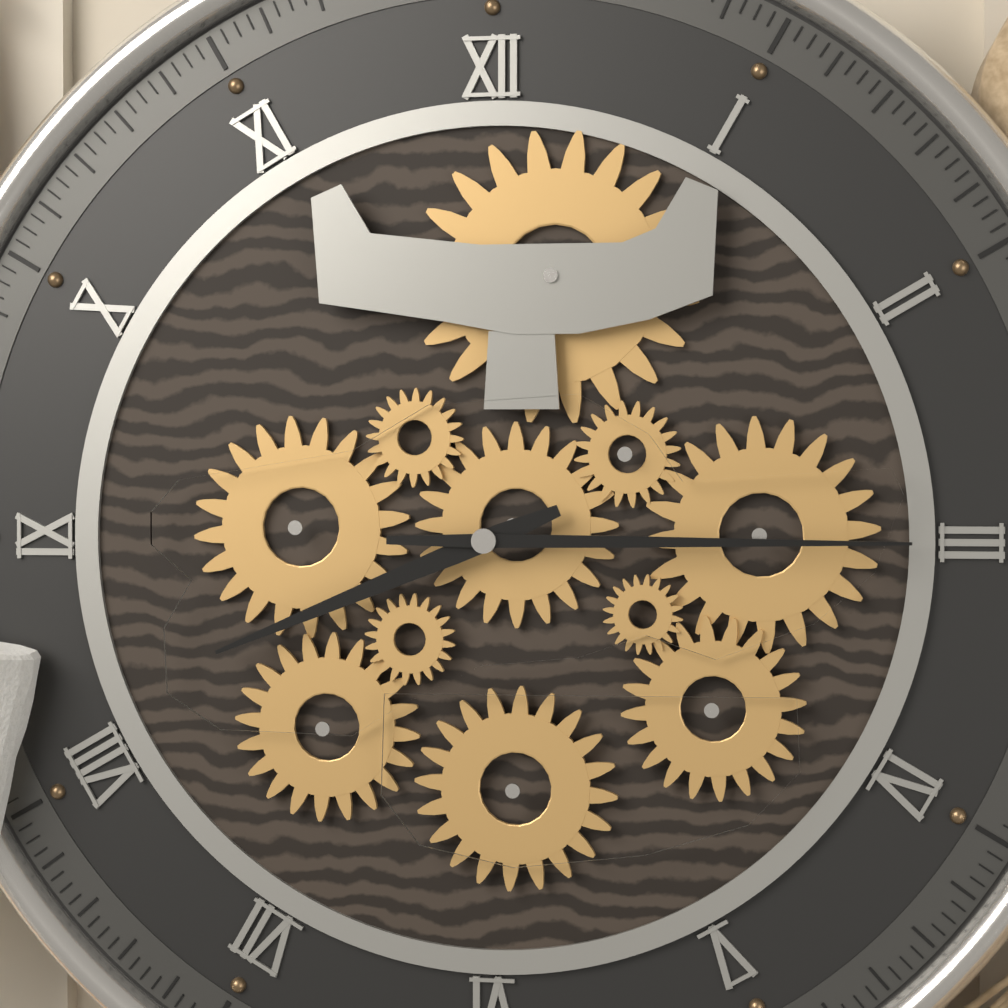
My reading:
{"hour": 8, "minute": 15}
